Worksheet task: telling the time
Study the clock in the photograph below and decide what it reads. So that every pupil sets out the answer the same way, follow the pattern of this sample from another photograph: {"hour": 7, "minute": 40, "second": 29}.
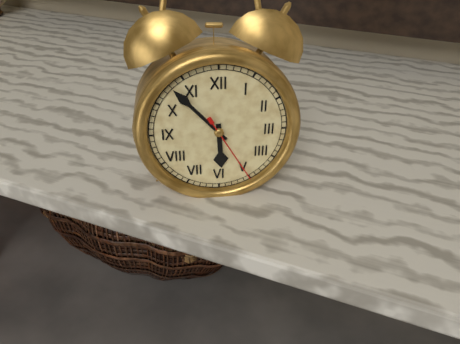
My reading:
{"hour": 5, "minute": 53, "second": 25}
